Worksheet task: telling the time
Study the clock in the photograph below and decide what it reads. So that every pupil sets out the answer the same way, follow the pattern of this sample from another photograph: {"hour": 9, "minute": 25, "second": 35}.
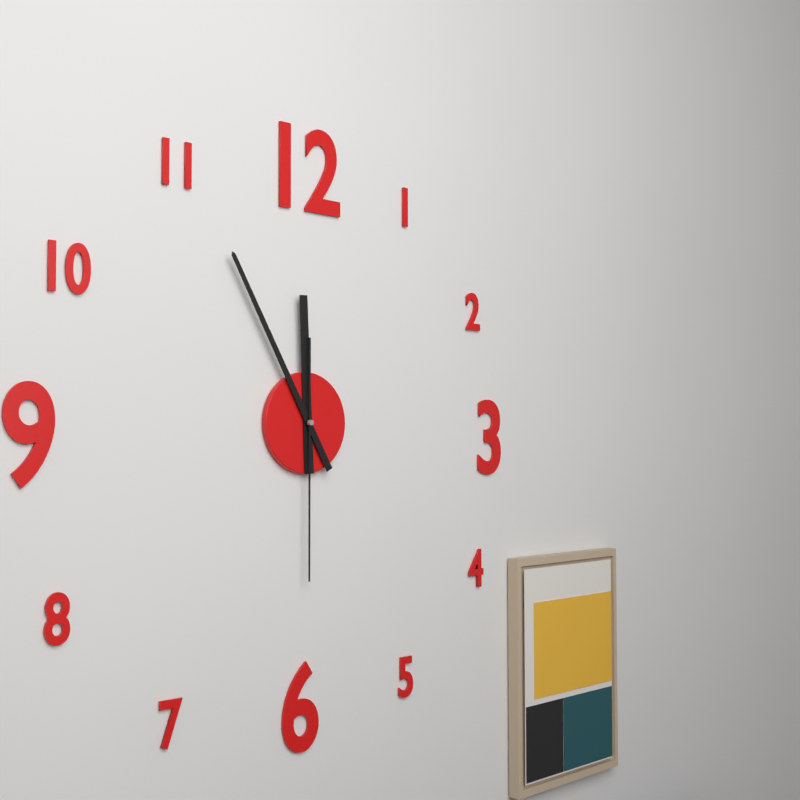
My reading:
{"hour": 11, "minute": 55, "second": 30}
